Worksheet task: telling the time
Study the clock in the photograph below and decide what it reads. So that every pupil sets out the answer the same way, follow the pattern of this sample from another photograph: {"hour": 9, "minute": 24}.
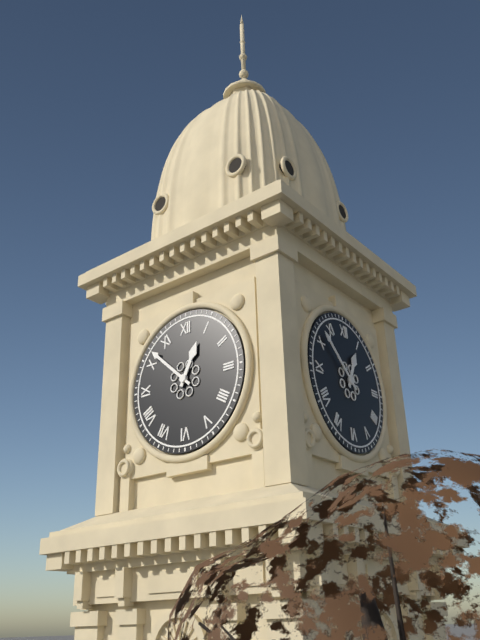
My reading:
{"hour": 12, "minute": 52}
